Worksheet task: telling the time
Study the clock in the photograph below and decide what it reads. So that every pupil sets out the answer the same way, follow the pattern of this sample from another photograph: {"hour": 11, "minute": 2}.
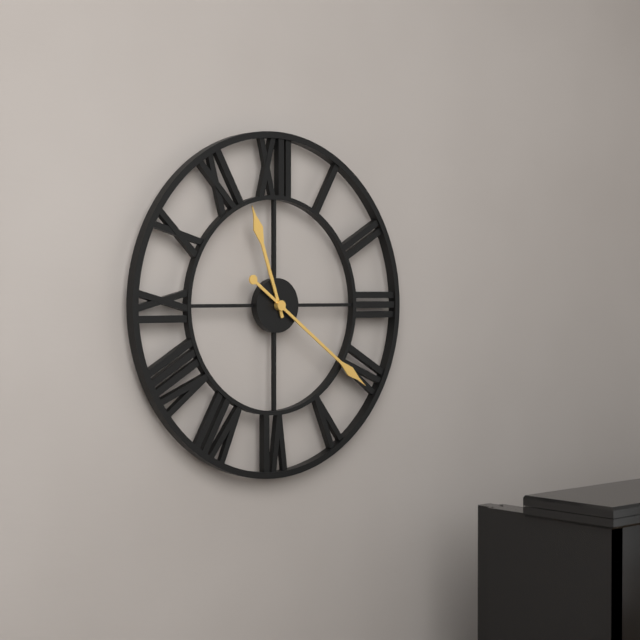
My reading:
{"hour": 11, "minute": 21}
